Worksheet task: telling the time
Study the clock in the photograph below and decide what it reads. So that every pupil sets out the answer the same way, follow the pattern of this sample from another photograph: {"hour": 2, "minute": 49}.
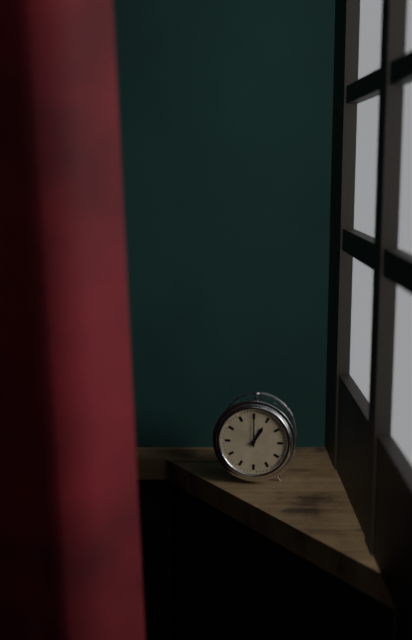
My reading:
{"hour": 1, "minute": 0}
